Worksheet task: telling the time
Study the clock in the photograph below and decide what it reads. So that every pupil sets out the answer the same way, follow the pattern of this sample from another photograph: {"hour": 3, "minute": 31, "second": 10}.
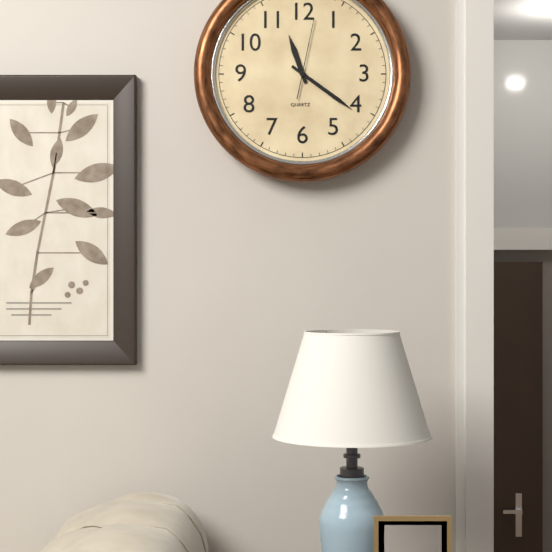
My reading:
{"hour": 11, "minute": 21, "second": 2}
